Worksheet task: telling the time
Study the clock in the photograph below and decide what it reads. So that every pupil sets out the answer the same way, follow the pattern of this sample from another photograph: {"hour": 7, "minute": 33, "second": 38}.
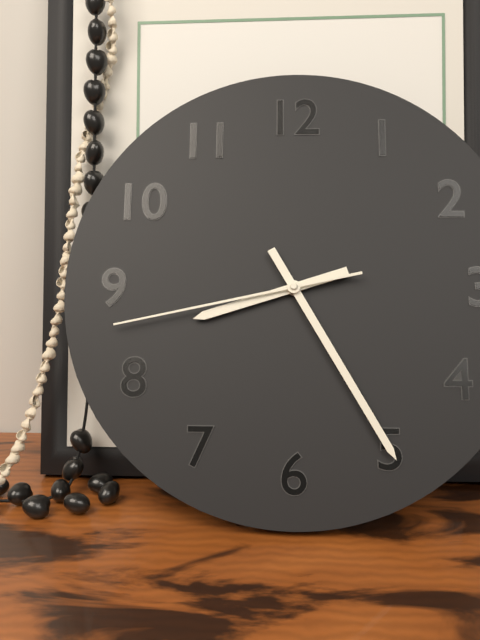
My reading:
{"hour": 8, "minute": 25, "second": 43}
